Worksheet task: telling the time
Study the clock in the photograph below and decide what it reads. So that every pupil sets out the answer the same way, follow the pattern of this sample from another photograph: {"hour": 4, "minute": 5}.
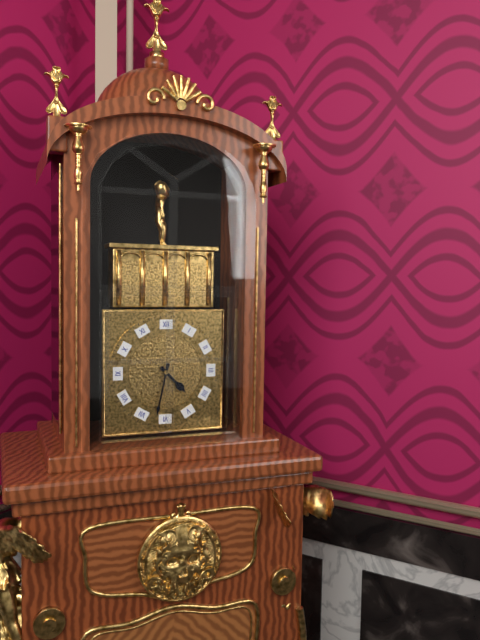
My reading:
{"hour": 4, "minute": 32}
